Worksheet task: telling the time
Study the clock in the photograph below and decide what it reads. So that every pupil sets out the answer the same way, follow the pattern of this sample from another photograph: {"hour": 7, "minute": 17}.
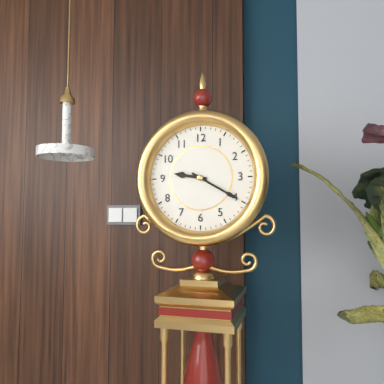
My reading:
{"hour": 9, "minute": 20}
